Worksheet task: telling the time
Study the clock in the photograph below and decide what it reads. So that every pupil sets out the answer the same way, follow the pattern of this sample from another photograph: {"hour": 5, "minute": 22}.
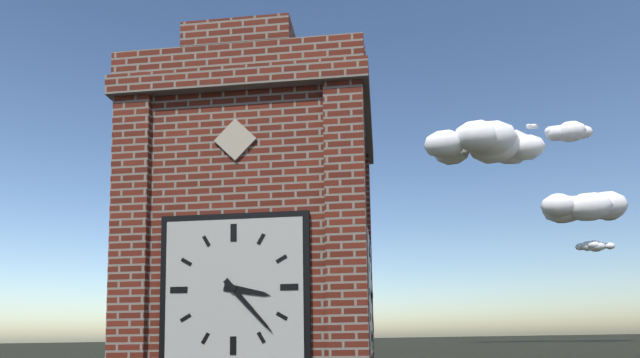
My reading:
{"hour": 3, "minute": 23}
